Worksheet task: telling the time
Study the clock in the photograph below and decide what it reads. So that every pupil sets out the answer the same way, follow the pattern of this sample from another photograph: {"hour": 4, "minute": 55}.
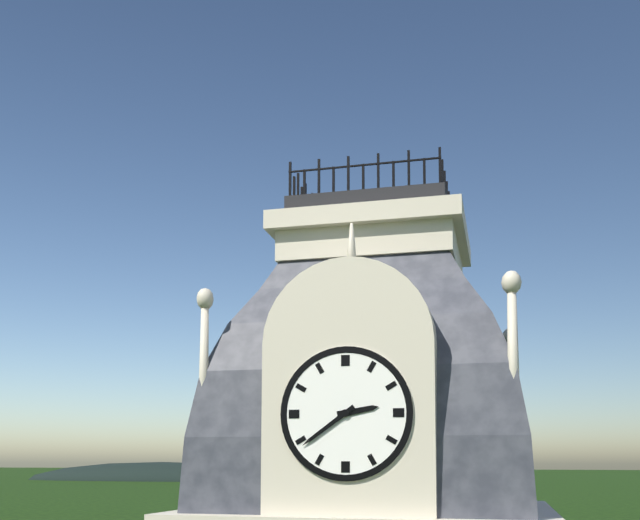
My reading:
{"hour": 2, "minute": 39}
